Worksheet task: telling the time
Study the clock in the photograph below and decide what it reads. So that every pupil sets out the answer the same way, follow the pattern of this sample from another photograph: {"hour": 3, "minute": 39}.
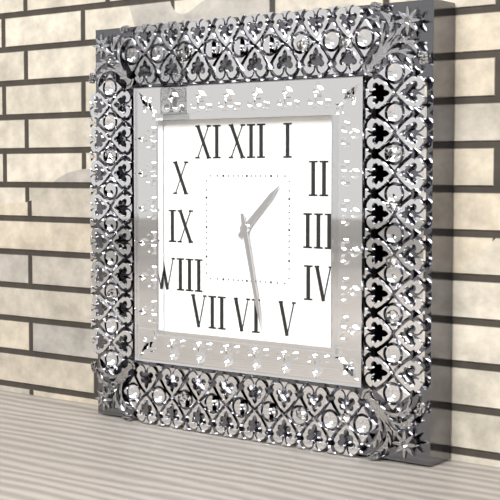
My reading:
{"hour": 1, "minute": 28}
